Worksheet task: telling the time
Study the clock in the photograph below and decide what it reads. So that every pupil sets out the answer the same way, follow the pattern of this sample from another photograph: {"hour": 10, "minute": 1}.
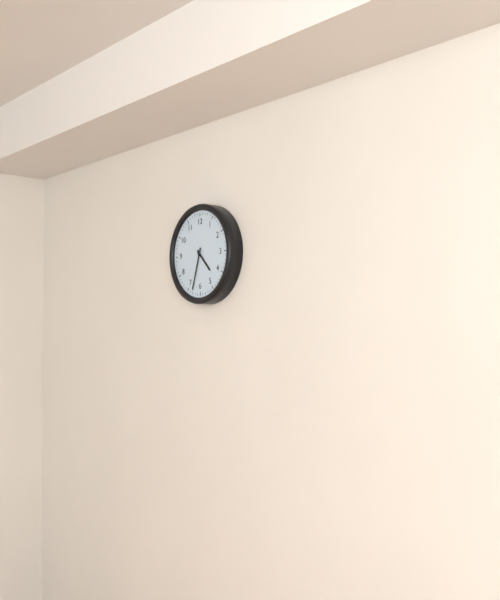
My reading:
{"hour": 4, "minute": 33}
